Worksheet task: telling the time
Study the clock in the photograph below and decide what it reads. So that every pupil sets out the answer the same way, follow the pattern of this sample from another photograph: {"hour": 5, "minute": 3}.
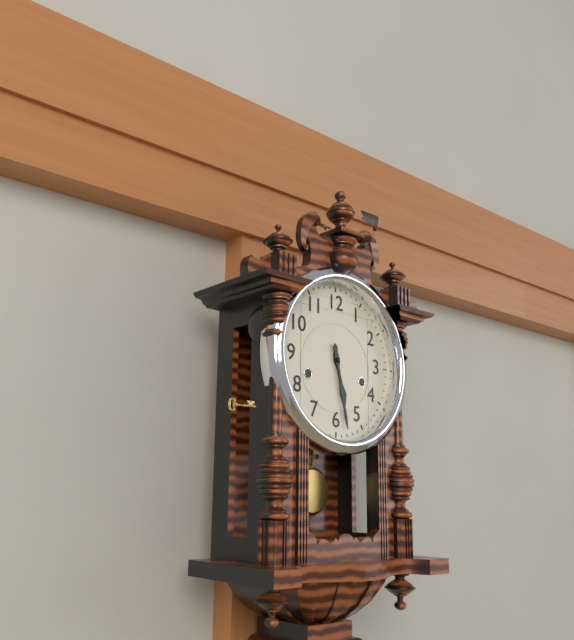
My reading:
{"hour": 5, "minute": 28}
